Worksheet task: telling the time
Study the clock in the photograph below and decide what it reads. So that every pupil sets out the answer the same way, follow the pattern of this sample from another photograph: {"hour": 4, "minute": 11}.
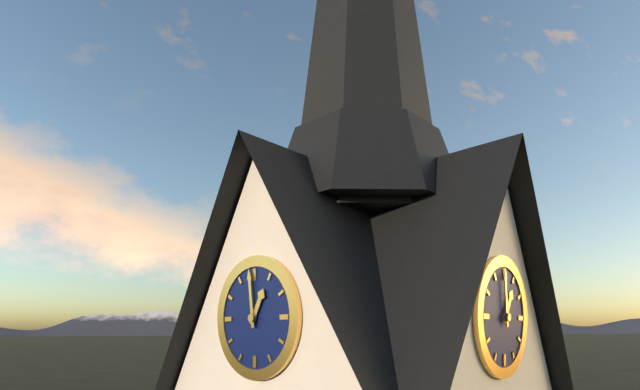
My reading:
{"hour": 12, "minute": 59}
